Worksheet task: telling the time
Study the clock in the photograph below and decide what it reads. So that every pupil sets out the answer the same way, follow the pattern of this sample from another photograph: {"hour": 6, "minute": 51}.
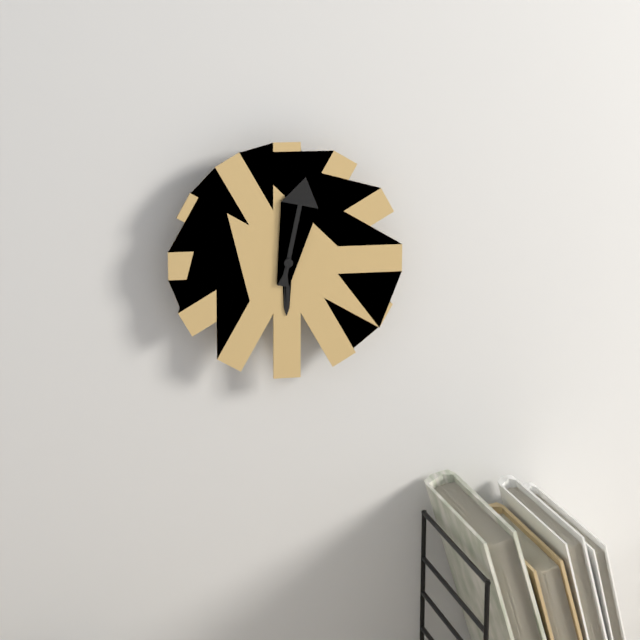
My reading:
{"hour": 6, "minute": 2}
